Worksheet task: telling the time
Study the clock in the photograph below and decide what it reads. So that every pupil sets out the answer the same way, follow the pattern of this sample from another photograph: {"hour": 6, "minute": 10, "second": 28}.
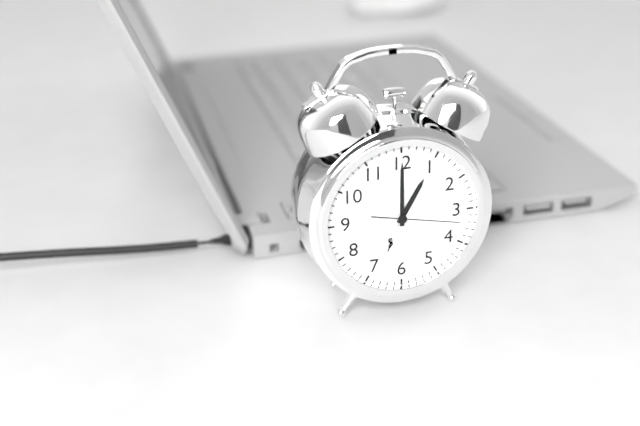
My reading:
{"hour": 1, "minute": 0, "second": 17}
